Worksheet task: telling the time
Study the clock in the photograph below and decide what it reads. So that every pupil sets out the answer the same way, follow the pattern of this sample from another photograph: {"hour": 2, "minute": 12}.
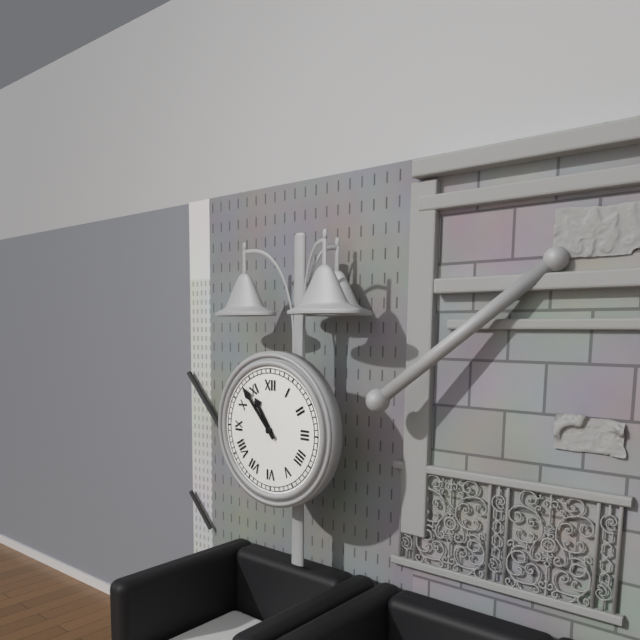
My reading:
{"hour": 10, "minute": 53}
